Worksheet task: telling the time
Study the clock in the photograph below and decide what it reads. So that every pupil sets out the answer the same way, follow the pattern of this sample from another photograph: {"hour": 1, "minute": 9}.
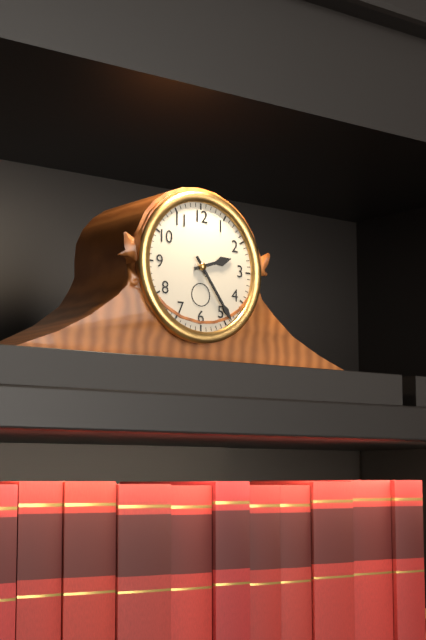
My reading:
{"hour": 2, "minute": 24}
